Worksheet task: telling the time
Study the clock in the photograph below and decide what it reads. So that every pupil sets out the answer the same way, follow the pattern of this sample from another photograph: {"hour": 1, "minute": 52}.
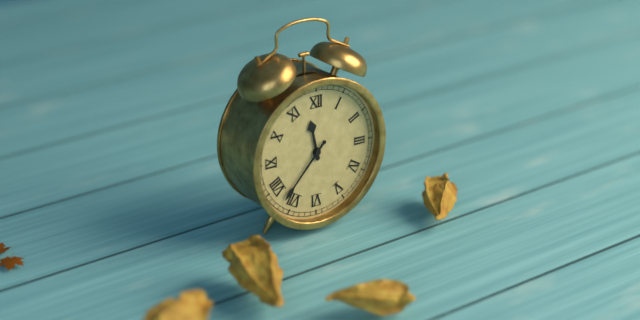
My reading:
{"hour": 11, "minute": 37}
